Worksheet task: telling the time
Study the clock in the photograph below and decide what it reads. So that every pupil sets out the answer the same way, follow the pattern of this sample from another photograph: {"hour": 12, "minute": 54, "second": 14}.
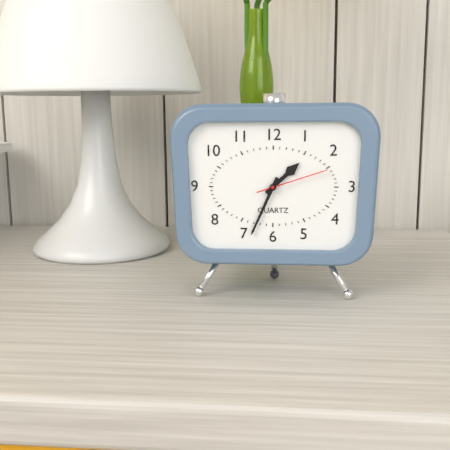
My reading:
{"hour": 1, "minute": 34, "second": 12}
